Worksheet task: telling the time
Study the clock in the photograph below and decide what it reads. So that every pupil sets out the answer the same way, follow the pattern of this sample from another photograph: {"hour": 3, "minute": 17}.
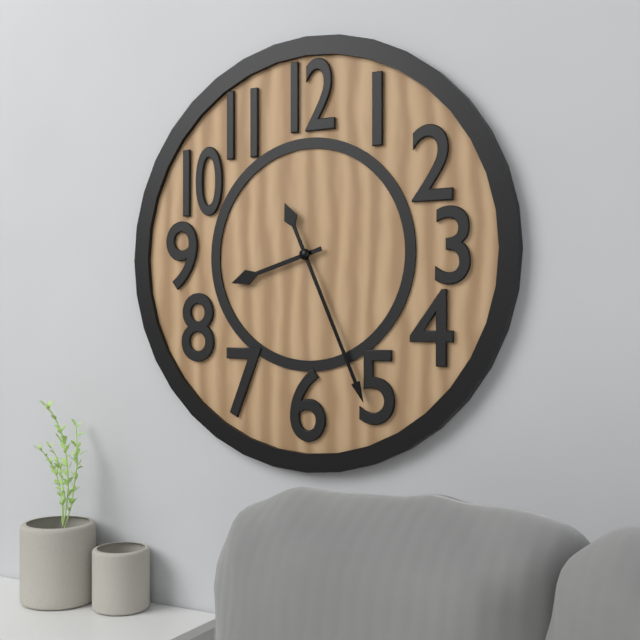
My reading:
{"hour": 8, "minute": 26}
